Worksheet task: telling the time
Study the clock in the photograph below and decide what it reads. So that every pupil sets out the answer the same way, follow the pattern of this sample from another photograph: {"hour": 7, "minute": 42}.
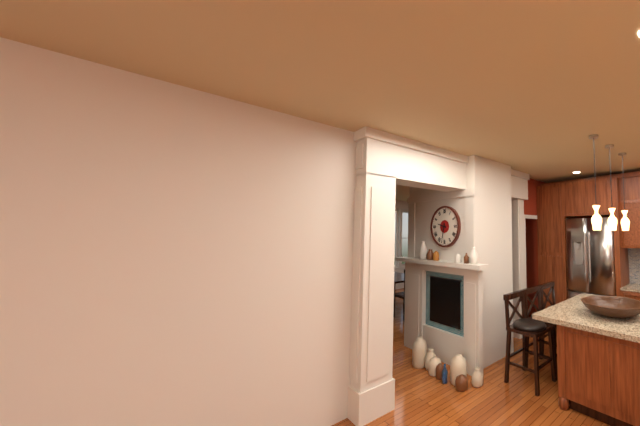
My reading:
{"hour": 9, "minute": 32}
